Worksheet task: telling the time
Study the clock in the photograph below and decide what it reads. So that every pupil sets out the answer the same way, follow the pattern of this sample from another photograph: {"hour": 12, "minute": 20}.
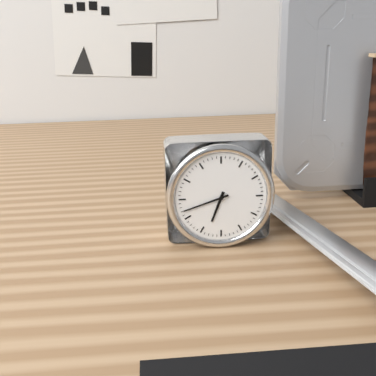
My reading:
{"hour": 6, "minute": 42}
